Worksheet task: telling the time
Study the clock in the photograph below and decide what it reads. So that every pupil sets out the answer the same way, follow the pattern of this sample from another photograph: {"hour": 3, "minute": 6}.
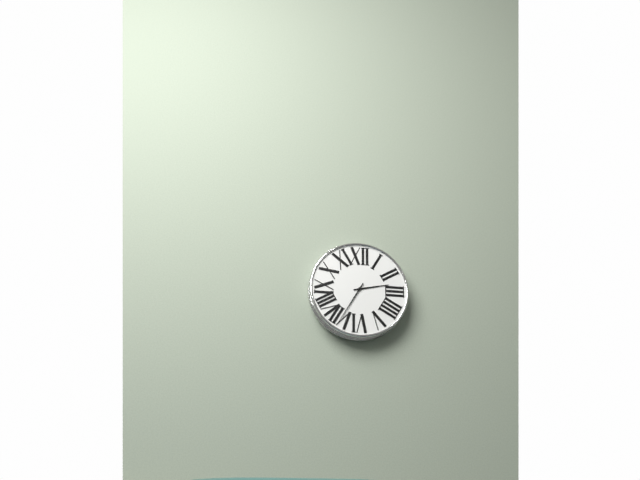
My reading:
{"hour": 2, "minute": 35}
